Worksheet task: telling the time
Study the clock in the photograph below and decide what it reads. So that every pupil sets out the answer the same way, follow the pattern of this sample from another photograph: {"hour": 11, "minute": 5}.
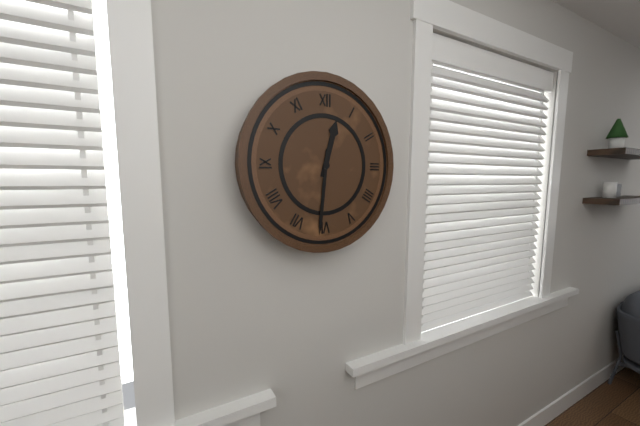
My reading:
{"hour": 12, "minute": 31}
